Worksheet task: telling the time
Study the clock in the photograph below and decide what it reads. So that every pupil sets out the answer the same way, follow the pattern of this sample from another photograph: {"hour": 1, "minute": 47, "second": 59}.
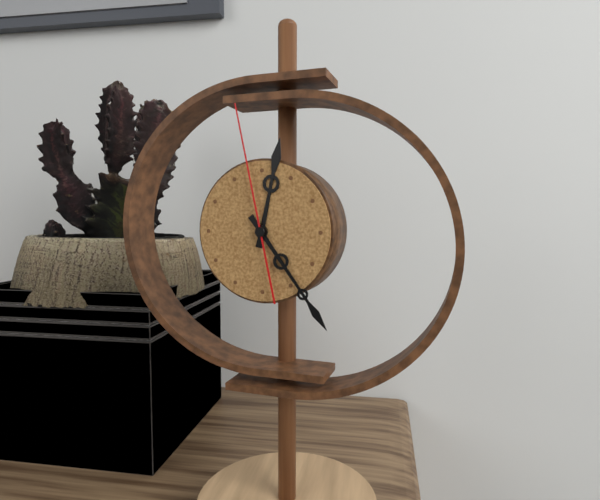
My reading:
{"hour": 12, "minute": 24, "second": 58}
